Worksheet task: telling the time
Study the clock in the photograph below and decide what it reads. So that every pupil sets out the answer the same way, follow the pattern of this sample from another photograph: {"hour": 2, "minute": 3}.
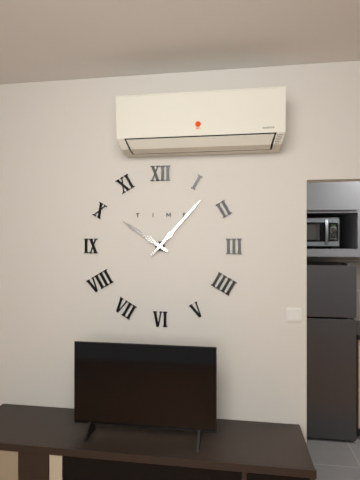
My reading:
{"hour": 10, "minute": 7}
